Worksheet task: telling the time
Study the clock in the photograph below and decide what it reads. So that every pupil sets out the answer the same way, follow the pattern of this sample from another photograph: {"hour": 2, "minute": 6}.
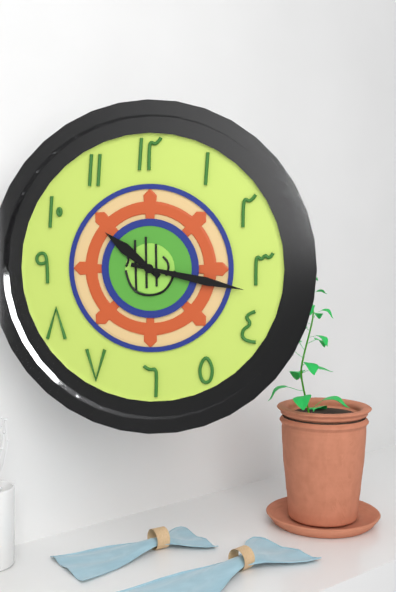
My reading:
{"hour": 10, "minute": 17}
